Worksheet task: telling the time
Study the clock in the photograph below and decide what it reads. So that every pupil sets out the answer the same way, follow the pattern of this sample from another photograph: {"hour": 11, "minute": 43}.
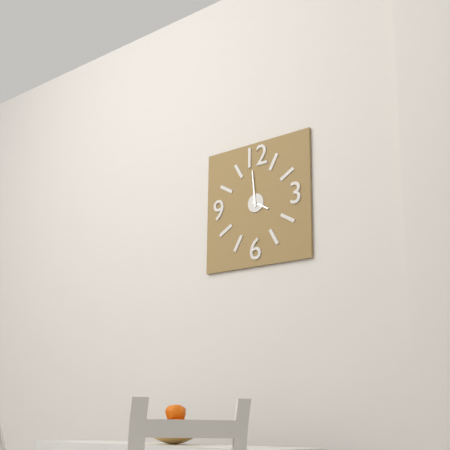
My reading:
{"hour": 3, "minute": 59}
